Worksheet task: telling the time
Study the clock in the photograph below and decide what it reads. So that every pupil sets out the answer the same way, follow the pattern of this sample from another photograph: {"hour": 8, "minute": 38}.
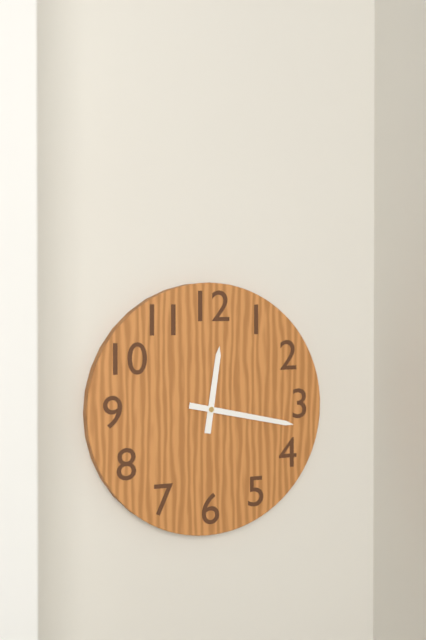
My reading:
{"hour": 12, "minute": 17}
